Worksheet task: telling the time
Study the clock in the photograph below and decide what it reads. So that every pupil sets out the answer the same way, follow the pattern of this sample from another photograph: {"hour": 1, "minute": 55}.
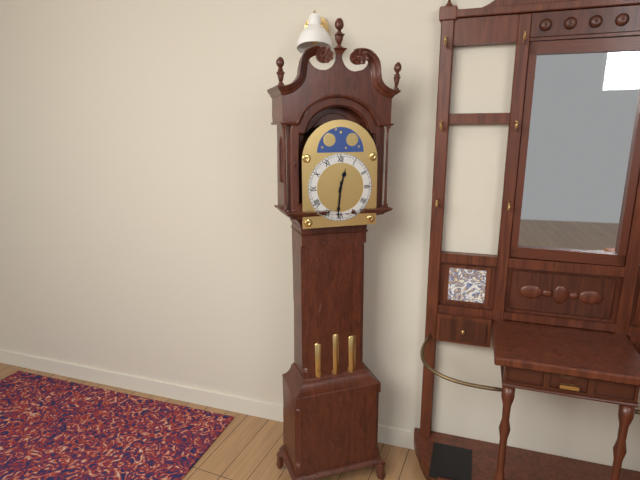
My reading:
{"hour": 12, "minute": 31}
